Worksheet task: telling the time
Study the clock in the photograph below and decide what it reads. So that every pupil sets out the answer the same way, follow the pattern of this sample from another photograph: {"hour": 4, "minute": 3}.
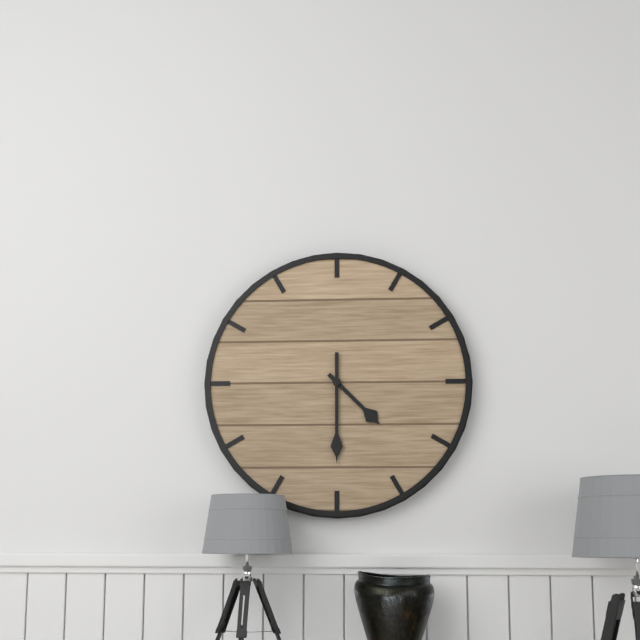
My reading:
{"hour": 4, "minute": 30}
